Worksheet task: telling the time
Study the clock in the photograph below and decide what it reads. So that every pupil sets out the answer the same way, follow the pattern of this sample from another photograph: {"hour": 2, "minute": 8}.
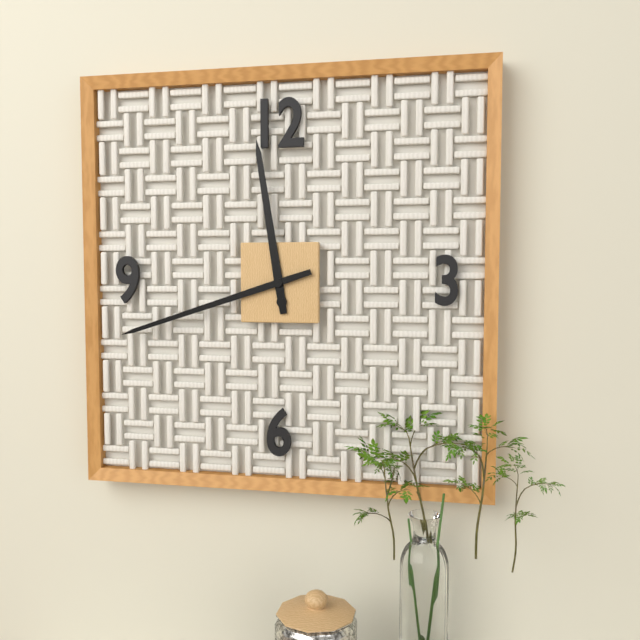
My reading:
{"hour": 11, "minute": 42}
